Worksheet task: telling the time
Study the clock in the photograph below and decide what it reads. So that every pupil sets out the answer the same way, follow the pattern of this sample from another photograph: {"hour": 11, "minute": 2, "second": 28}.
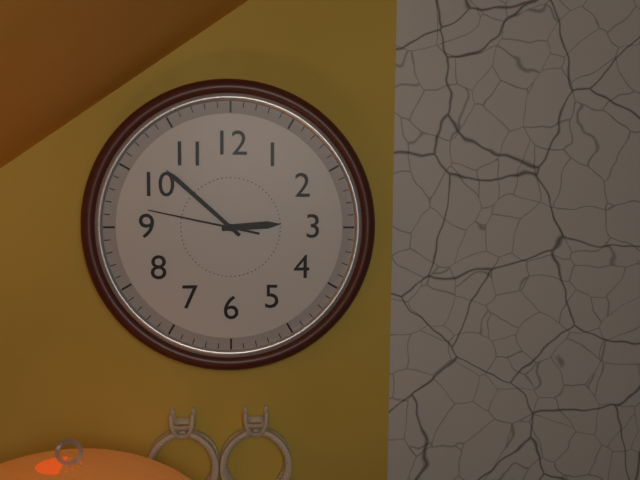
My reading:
{"hour": 2, "minute": 52, "second": 47}
